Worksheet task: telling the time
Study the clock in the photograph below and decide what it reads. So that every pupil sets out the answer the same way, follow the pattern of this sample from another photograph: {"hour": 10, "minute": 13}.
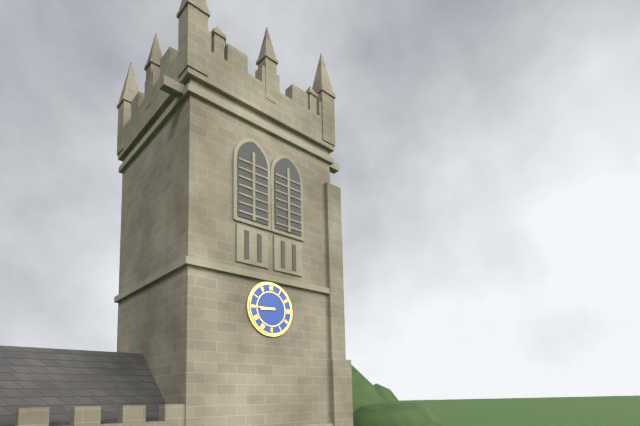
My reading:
{"hour": 8, "minute": 45}
